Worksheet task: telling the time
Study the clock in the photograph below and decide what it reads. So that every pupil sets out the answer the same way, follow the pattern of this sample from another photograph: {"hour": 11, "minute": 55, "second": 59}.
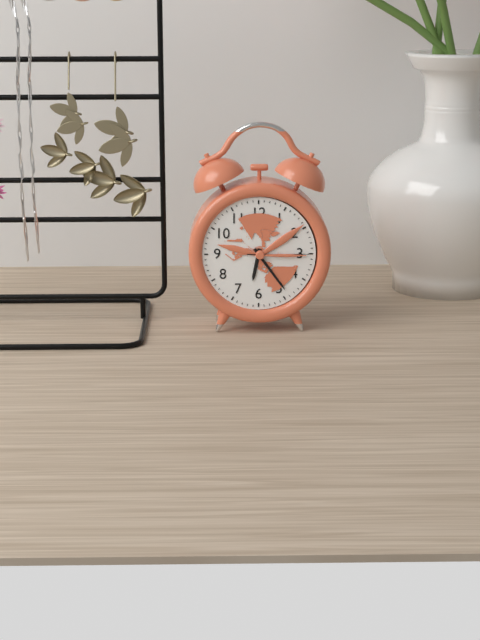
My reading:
{"hour": 6, "minute": 24, "second": 15}
